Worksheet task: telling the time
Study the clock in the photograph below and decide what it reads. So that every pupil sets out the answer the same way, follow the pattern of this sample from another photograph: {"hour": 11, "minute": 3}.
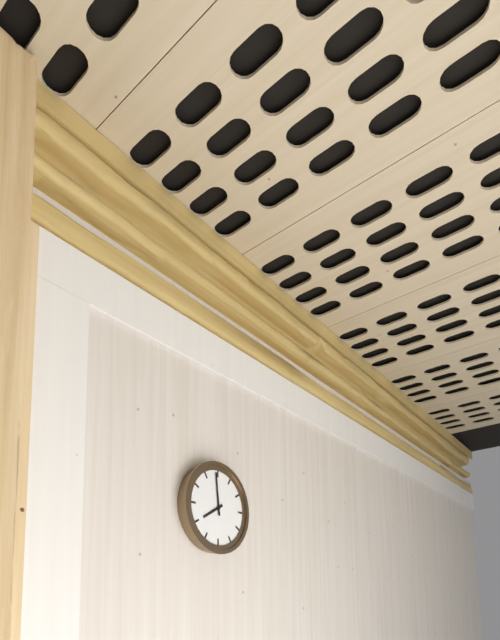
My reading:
{"hour": 7, "minute": 59}
